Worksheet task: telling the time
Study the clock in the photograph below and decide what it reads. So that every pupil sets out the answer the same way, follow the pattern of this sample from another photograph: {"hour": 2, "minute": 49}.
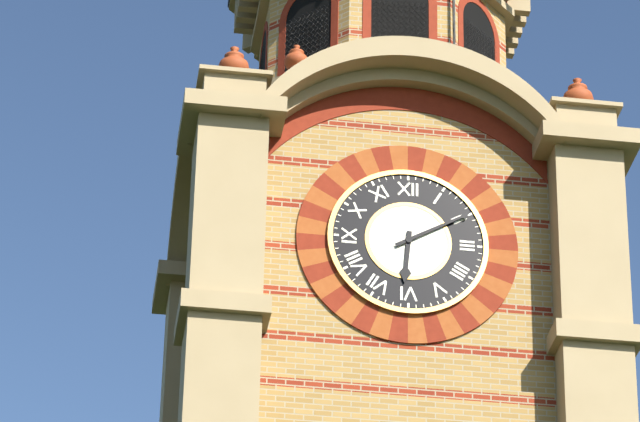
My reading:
{"hour": 6, "minute": 10}
